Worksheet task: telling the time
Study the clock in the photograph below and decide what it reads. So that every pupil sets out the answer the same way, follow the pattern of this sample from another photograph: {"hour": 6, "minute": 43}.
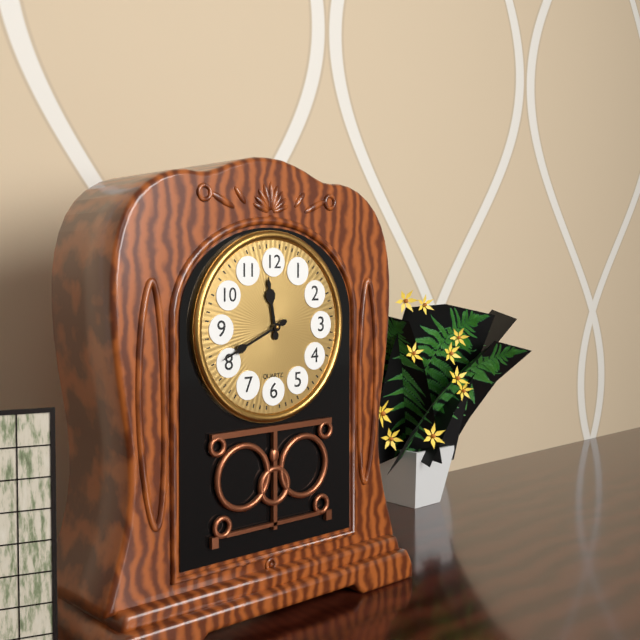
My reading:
{"hour": 11, "minute": 41}
